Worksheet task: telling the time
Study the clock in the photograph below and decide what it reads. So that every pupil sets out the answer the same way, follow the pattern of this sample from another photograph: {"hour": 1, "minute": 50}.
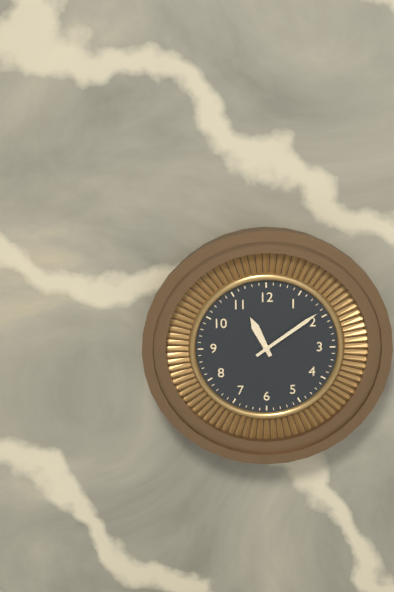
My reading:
{"hour": 11, "minute": 9}
